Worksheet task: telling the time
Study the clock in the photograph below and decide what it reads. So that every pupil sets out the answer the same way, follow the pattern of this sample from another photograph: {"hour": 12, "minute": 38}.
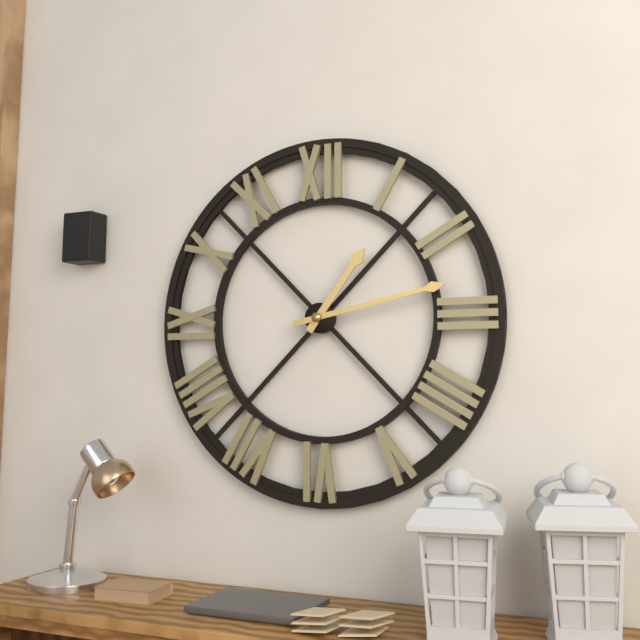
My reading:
{"hour": 1, "minute": 13}
